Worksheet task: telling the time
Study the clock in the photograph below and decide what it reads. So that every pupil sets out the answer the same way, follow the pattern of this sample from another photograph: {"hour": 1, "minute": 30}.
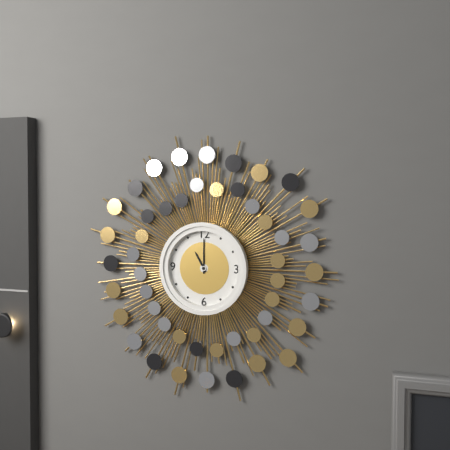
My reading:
{"hour": 11, "minute": 0}
